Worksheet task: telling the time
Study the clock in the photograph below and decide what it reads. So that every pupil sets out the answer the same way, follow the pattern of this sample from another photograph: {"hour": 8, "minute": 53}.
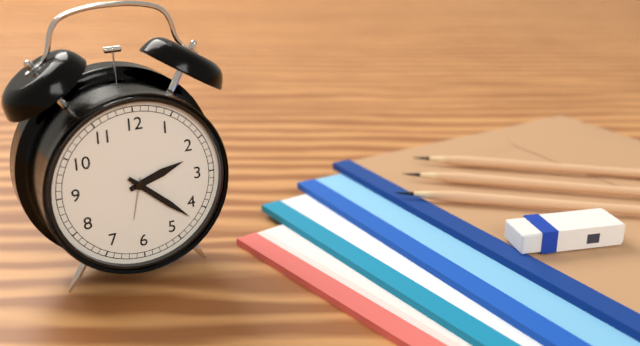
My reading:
{"hour": 2, "minute": 22}
